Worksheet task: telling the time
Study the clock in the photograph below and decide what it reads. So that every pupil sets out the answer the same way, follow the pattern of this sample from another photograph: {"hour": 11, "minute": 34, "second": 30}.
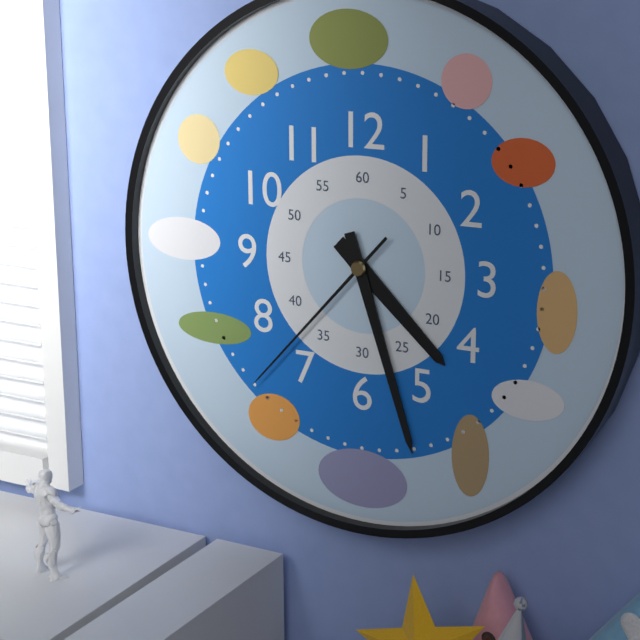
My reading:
{"hour": 4, "minute": 27, "second": 37}
